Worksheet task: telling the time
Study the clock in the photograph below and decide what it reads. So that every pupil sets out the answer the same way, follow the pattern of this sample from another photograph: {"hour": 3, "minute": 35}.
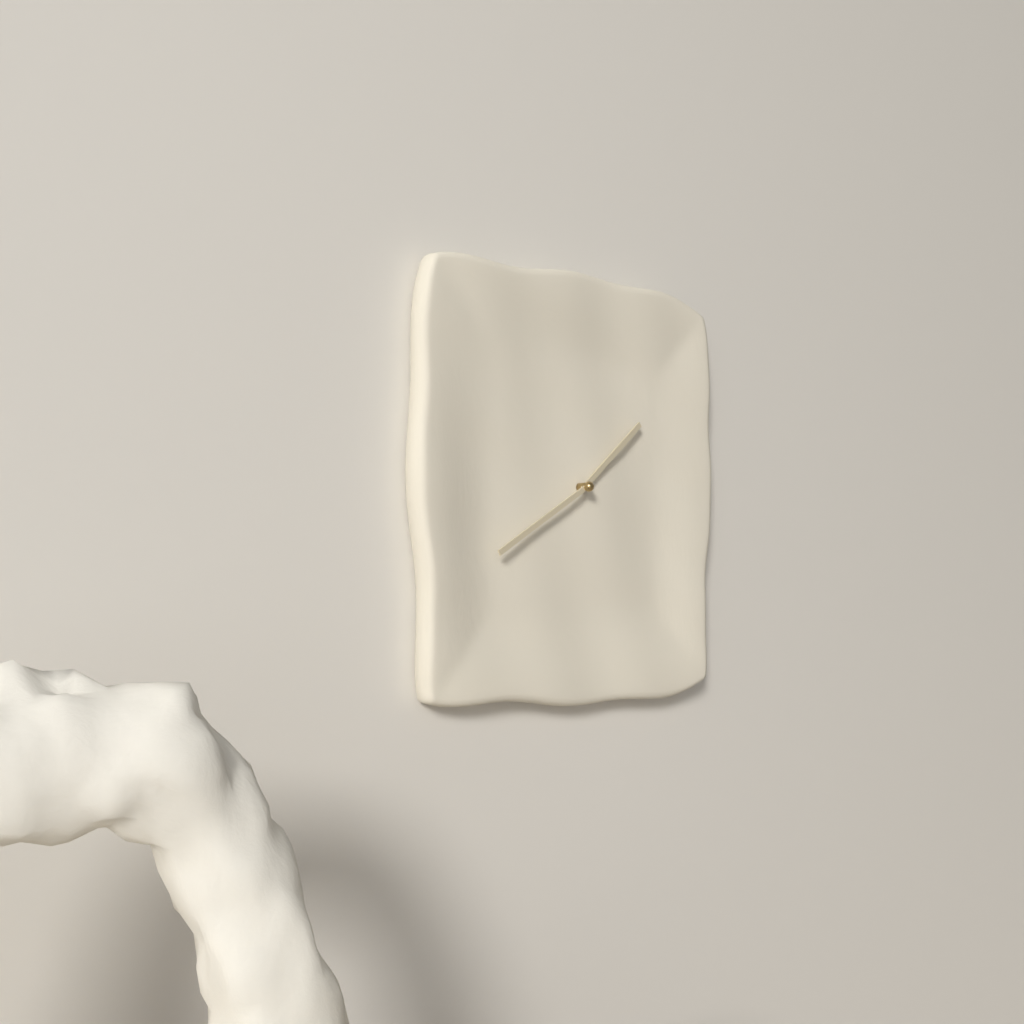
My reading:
{"hour": 1, "minute": 40}
